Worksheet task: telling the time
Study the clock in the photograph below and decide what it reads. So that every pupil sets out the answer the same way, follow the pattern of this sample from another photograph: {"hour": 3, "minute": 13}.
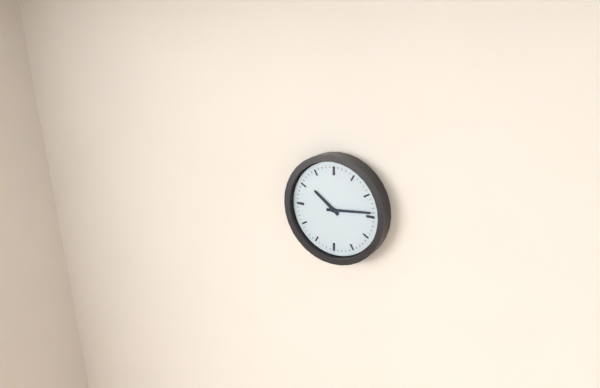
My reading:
{"hour": 10, "minute": 14}
